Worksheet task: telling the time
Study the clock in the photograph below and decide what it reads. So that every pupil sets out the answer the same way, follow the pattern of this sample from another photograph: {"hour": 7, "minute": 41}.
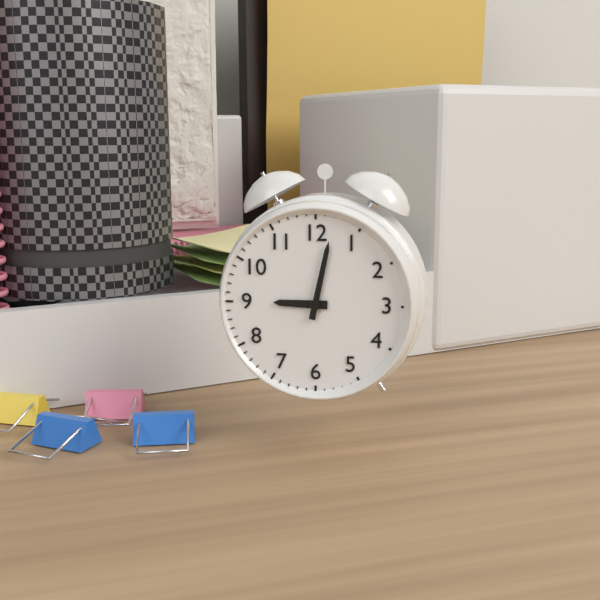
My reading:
{"hour": 9, "minute": 2}
